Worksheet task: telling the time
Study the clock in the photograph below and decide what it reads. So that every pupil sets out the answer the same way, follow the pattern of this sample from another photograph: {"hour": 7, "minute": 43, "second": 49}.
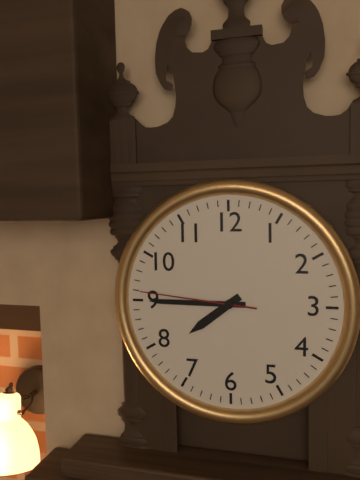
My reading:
{"hour": 7, "minute": 45, "second": 46}
